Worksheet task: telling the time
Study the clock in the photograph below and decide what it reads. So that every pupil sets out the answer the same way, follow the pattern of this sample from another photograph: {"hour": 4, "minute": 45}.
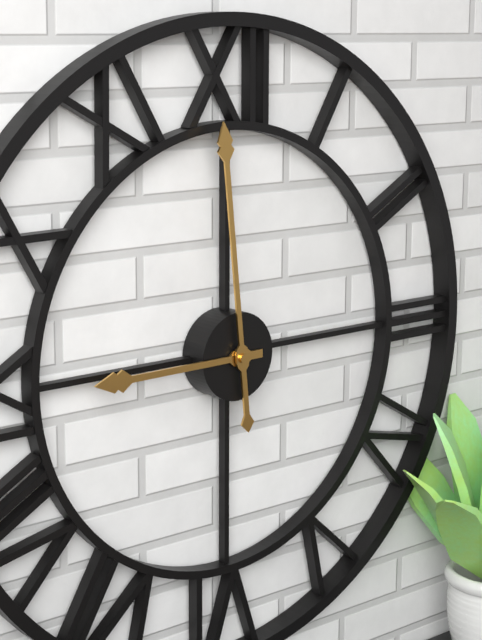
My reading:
{"hour": 8, "minute": 59}
